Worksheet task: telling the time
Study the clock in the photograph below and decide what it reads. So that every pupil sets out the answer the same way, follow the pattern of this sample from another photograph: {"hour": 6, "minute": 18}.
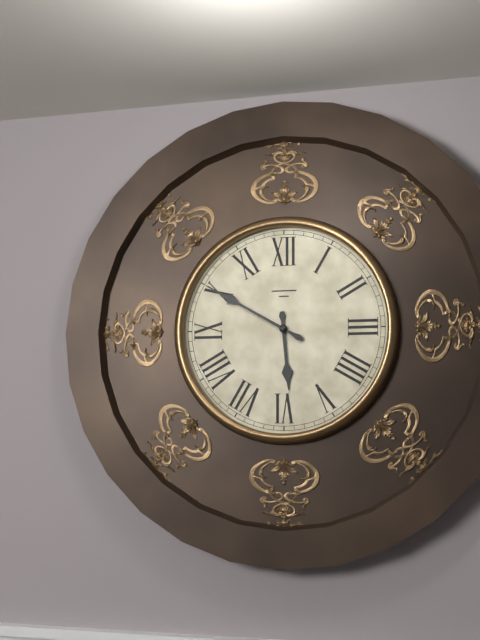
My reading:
{"hour": 5, "minute": 50}
